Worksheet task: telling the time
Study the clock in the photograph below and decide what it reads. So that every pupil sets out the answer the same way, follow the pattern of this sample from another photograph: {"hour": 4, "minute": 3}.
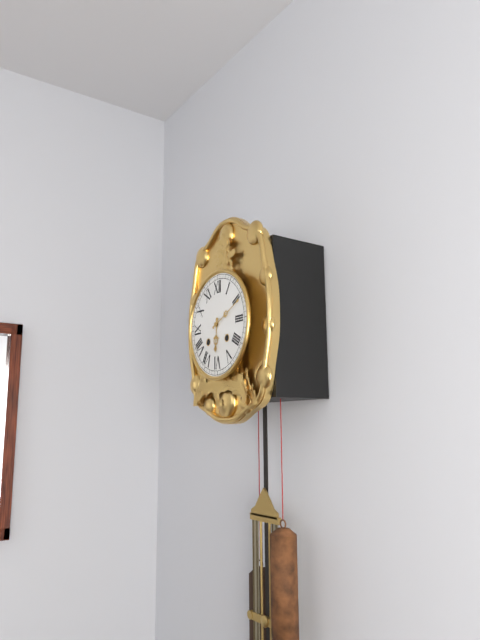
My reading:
{"hour": 6, "minute": 11}
